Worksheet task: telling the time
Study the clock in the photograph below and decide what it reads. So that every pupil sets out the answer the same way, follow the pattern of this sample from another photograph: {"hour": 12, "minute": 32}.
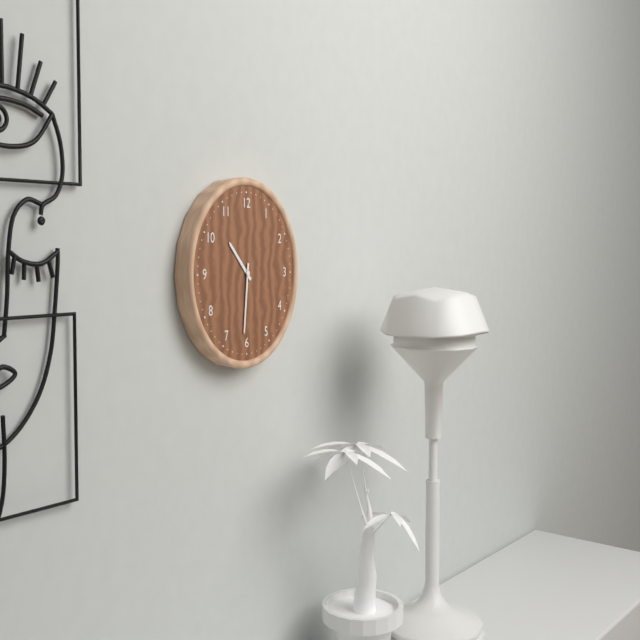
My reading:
{"hour": 10, "minute": 31}
